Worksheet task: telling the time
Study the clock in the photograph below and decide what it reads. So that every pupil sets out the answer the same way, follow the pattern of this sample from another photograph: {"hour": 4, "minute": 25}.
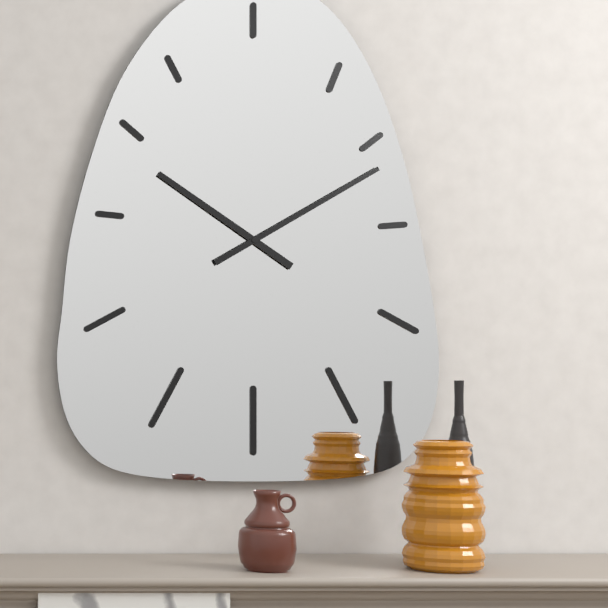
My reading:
{"hour": 10, "minute": 10}
